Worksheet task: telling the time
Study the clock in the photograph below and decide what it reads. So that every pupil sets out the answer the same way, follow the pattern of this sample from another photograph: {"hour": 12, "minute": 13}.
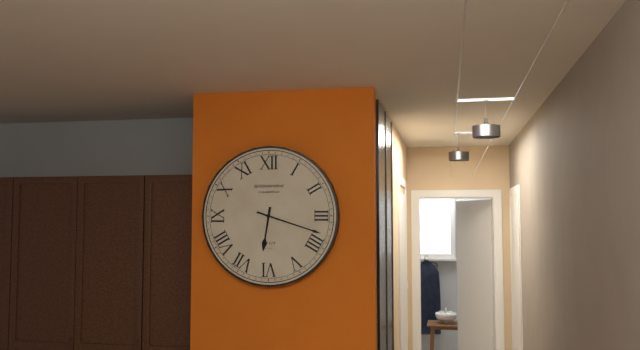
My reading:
{"hour": 6, "minute": 18}
